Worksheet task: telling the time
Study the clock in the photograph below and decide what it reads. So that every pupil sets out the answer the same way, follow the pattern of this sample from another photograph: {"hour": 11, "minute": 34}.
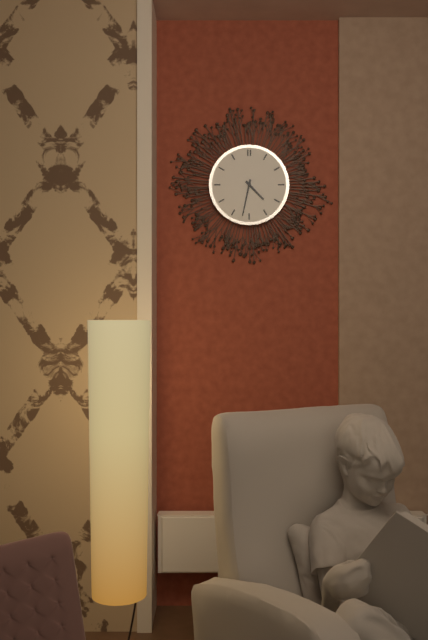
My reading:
{"hour": 4, "minute": 32}
